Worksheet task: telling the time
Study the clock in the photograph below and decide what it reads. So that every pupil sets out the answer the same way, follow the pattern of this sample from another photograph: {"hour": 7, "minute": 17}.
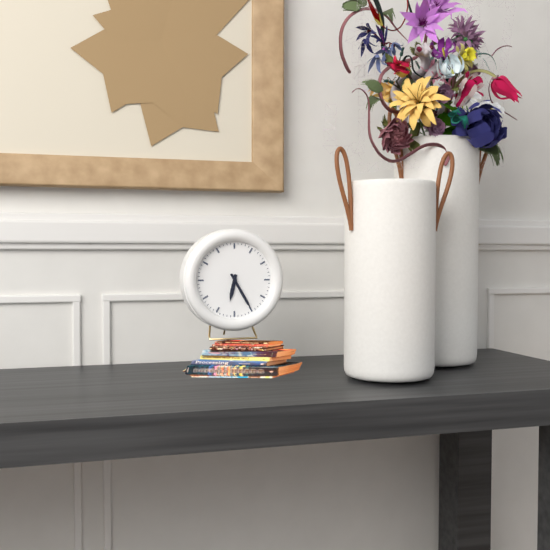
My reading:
{"hour": 6, "minute": 25}
